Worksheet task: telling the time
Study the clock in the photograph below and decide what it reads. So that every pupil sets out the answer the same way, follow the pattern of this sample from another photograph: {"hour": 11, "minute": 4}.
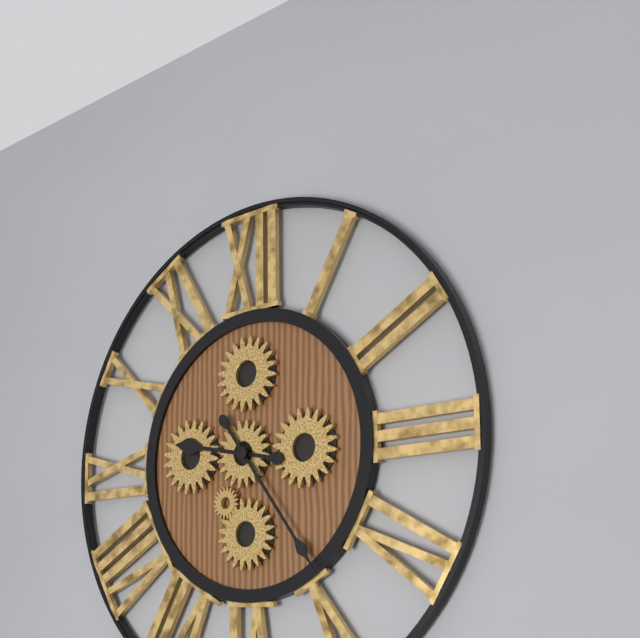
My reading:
{"hour": 9, "minute": 24}
